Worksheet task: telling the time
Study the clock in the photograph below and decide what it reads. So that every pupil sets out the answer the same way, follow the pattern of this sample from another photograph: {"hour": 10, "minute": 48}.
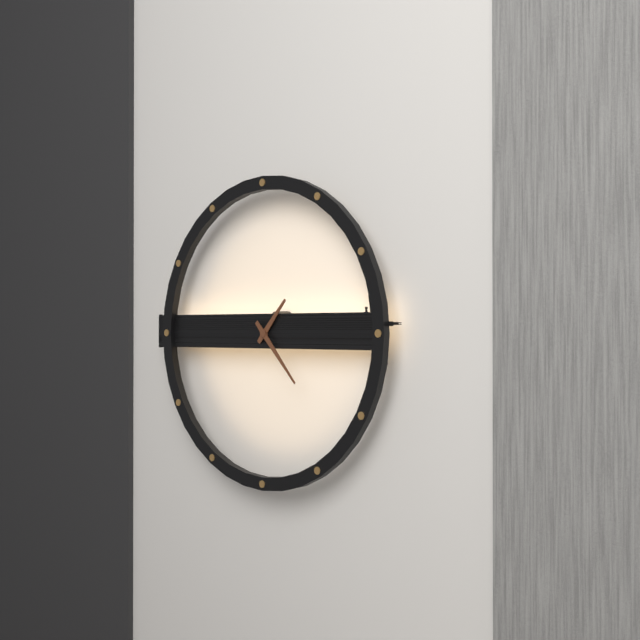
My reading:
{"hour": 1, "minute": 23}
